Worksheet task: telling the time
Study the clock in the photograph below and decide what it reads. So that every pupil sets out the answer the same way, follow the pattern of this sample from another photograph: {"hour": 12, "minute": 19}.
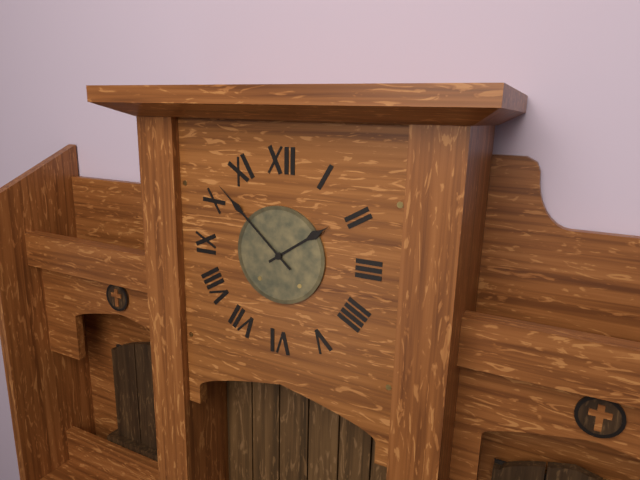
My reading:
{"hour": 1, "minute": 52}
